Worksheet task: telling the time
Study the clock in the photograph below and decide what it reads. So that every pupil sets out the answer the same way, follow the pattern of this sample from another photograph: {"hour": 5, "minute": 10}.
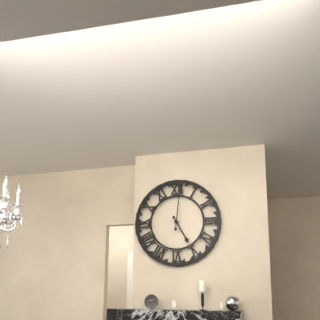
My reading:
{"hour": 5, "minute": 1}
